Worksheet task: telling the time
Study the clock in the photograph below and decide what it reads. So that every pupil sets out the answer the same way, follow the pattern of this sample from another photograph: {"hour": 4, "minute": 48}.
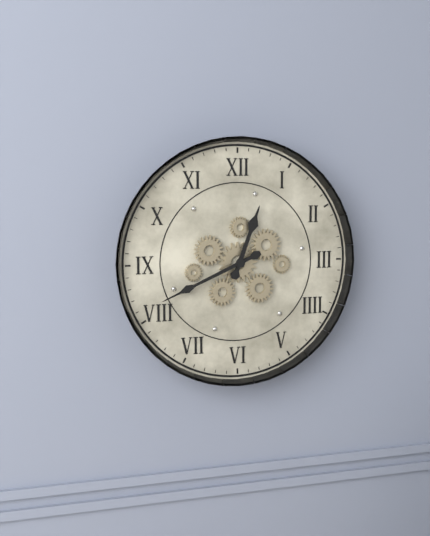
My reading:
{"hour": 12, "minute": 41}
